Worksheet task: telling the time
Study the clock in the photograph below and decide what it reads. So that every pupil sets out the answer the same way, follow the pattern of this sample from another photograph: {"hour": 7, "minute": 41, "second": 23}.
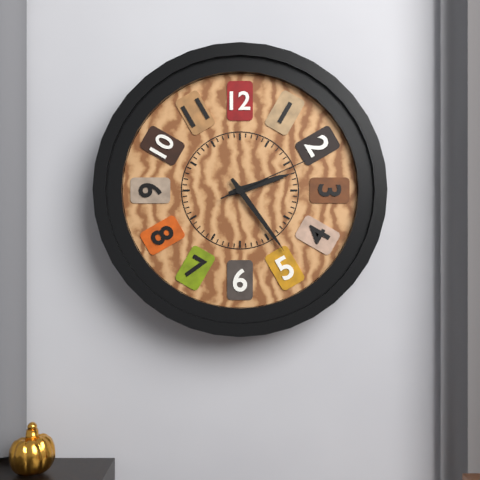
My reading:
{"hour": 2, "minute": 24, "second": 11}
